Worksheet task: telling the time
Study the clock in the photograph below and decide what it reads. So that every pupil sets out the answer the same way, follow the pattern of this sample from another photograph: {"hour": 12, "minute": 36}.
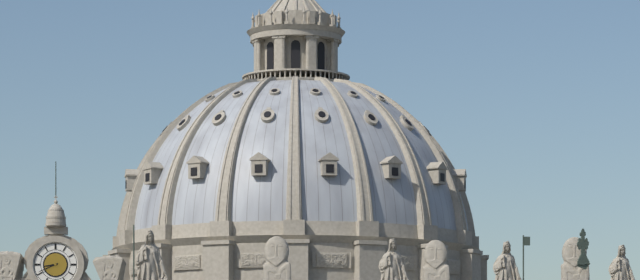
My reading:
{"hour": 8, "minute": 41}
